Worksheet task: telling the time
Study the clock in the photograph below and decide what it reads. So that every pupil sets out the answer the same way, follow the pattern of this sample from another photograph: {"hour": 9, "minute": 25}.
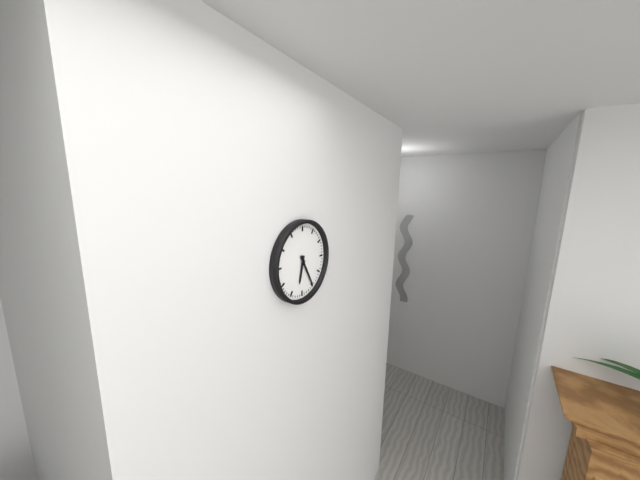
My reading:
{"hour": 6, "minute": 25}
